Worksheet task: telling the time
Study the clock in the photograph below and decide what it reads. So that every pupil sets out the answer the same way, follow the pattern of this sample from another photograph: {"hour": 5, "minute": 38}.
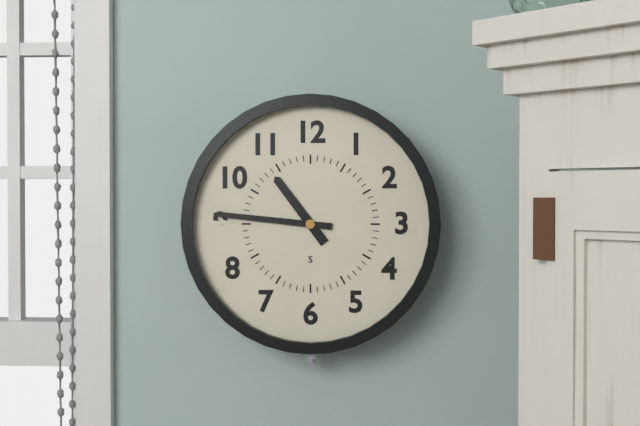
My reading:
{"hour": 10, "minute": 46}
